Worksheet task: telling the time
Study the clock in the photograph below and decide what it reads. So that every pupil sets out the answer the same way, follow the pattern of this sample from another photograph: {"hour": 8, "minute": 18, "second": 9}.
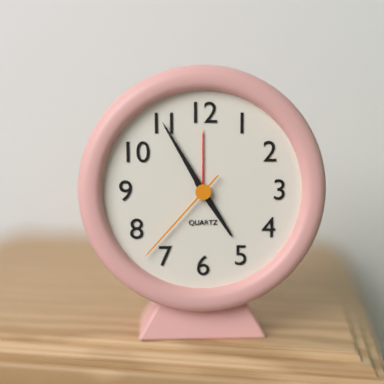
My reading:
{"hour": 4, "minute": 55, "second": 37}
